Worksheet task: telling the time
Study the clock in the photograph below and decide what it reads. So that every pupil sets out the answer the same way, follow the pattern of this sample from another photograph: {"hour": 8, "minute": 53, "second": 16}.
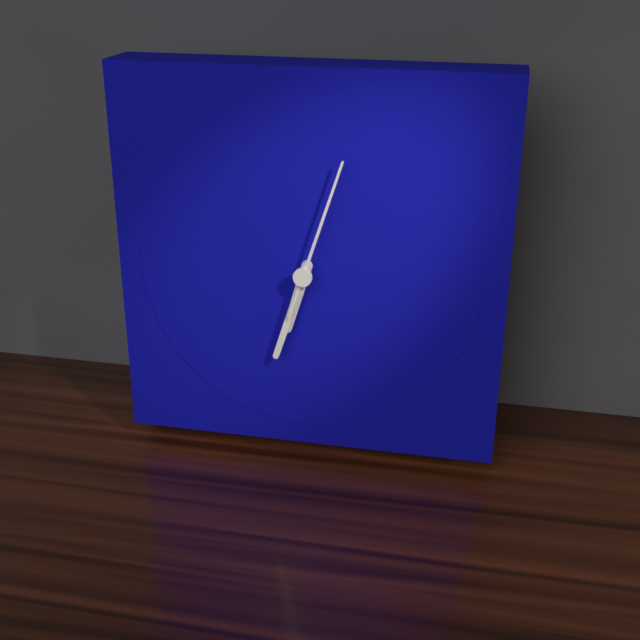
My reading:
{"hour": 6, "minute": 33, "second": 3}
